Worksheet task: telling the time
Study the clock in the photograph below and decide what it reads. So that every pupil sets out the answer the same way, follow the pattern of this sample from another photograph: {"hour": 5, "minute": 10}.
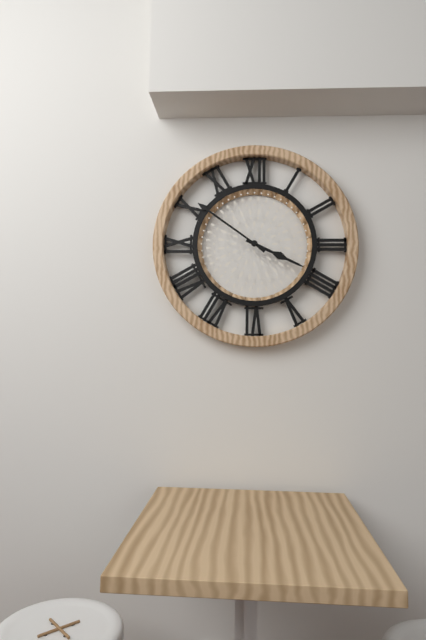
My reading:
{"hour": 3, "minute": 51}
